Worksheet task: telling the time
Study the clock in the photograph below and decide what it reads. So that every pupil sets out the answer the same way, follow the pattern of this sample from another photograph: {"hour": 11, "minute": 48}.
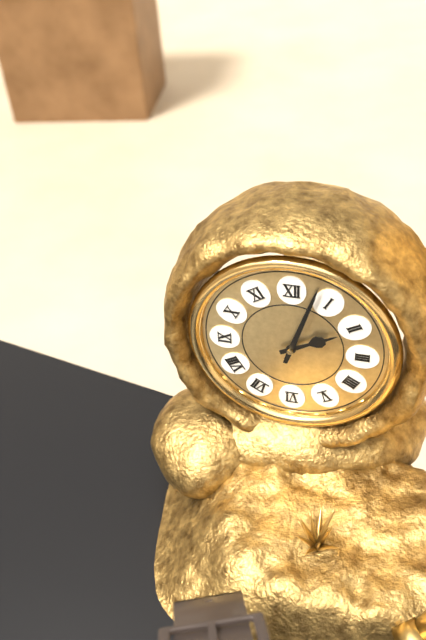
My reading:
{"hour": 2, "minute": 3}
